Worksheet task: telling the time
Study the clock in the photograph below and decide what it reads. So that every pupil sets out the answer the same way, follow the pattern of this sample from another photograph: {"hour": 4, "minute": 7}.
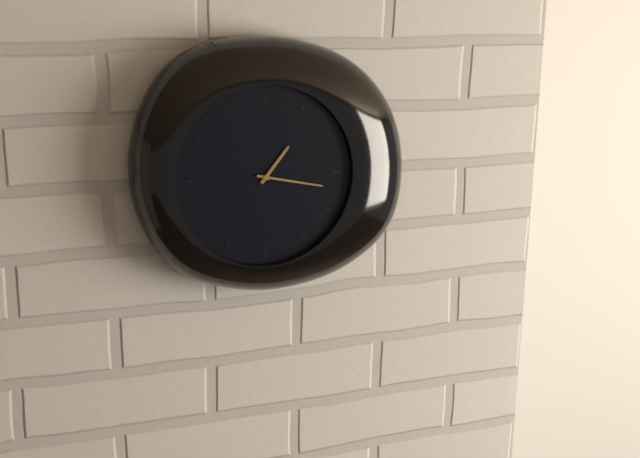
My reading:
{"hour": 1, "minute": 17}
